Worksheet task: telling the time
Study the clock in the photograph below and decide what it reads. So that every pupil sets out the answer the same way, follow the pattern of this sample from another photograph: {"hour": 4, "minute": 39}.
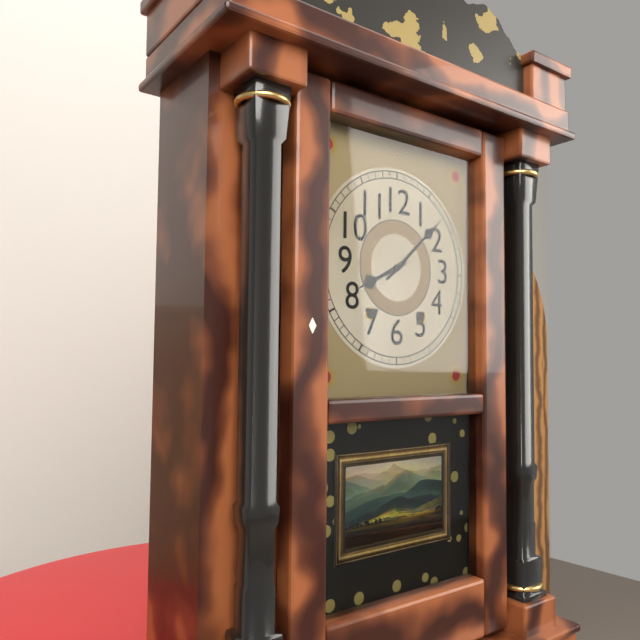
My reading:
{"hour": 8, "minute": 8}
